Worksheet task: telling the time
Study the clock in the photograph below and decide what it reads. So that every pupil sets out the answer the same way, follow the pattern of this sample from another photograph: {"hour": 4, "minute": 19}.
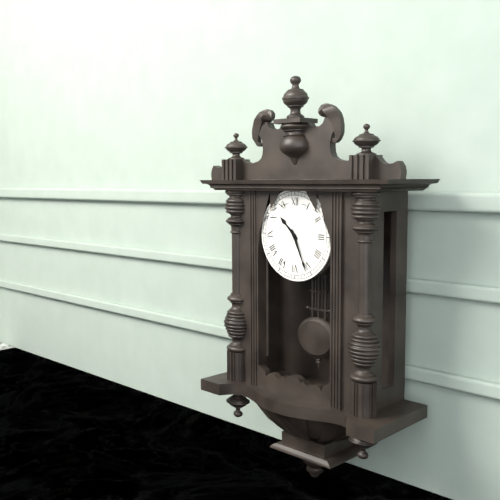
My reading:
{"hour": 10, "minute": 26}
